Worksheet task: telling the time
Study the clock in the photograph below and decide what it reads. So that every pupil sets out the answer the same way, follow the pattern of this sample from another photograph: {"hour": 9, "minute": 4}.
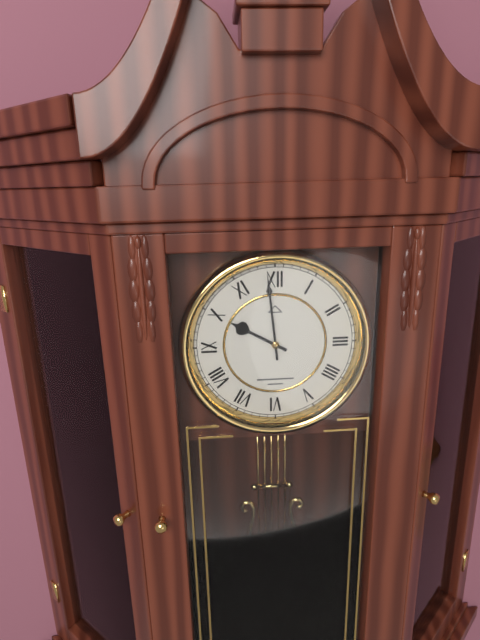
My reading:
{"hour": 9, "minute": 59}
